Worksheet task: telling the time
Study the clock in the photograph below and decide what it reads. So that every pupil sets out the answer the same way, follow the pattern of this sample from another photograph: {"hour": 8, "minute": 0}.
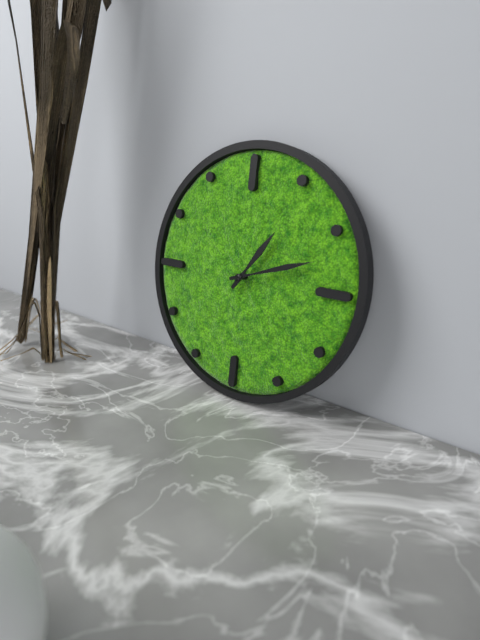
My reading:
{"hour": 1, "minute": 12}
